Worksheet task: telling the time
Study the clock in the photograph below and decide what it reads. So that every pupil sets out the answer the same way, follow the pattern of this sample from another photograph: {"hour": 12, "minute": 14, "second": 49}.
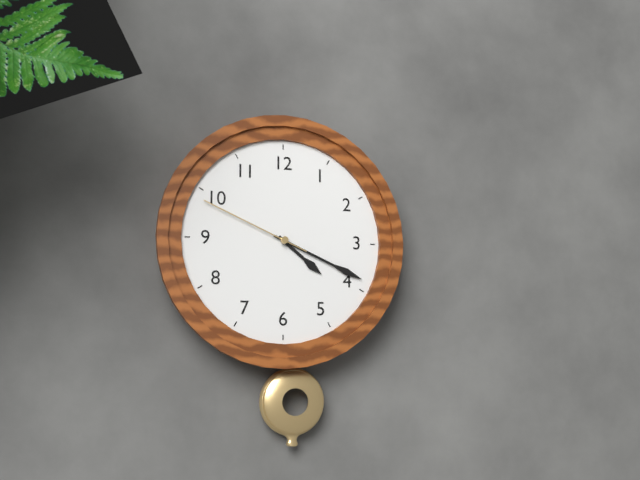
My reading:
{"hour": 4, "minute": 19, "second": 49}
